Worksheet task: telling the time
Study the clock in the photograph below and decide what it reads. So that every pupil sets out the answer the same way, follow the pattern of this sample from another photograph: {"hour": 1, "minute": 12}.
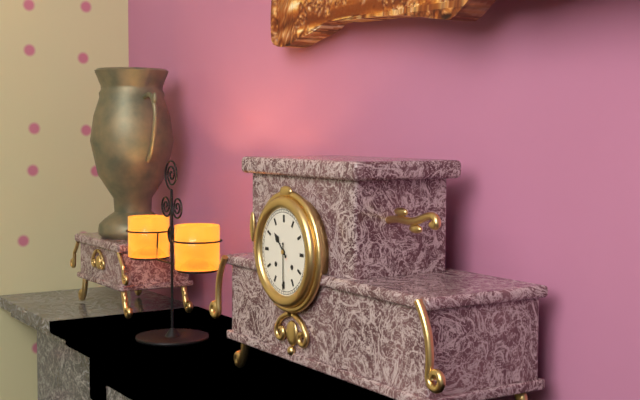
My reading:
{"hour": 10, "minute": 30}
